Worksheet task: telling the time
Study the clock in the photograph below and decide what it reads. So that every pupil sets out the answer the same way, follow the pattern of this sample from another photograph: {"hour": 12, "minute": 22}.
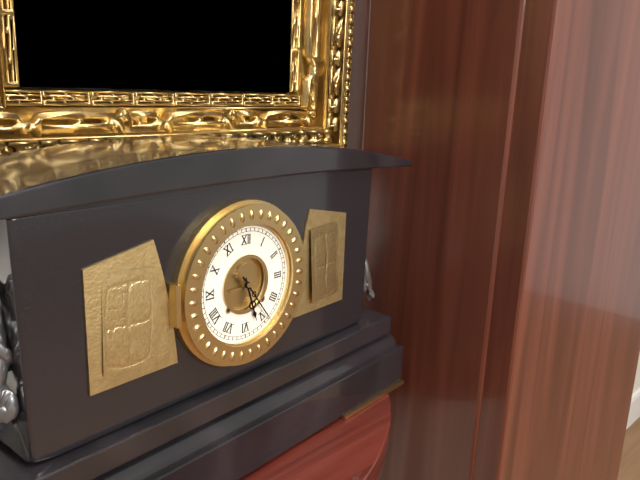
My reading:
{"hour": 5, "minute": 24}
